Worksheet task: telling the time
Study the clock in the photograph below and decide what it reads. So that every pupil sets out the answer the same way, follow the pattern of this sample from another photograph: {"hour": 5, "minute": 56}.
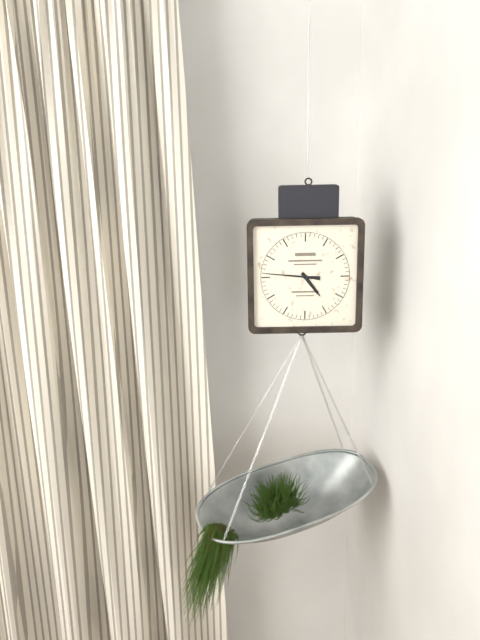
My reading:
{"hour": 4, "minute": 46}
